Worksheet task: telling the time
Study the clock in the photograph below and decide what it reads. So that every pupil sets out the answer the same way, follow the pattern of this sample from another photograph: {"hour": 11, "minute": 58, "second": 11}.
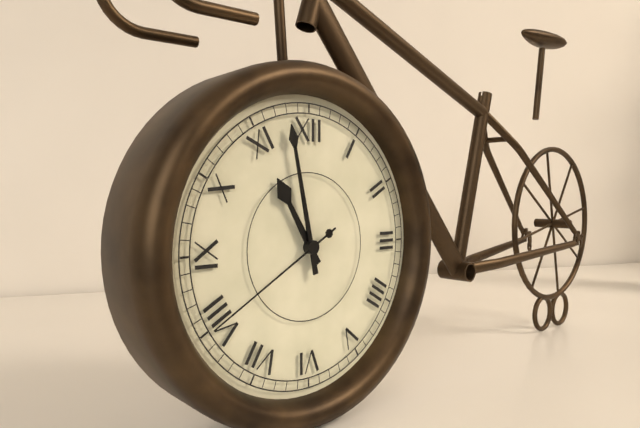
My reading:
{"hour": 10, "minute": 58, "second": 40}
